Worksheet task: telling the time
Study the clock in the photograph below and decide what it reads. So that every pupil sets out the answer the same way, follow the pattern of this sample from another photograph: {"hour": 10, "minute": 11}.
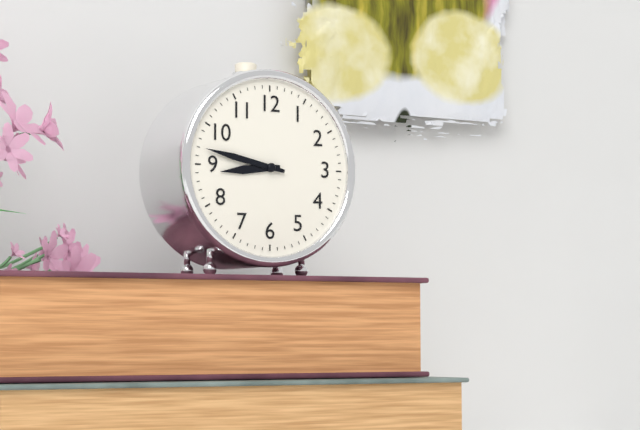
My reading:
{"hour": 8, "minute": 47}
